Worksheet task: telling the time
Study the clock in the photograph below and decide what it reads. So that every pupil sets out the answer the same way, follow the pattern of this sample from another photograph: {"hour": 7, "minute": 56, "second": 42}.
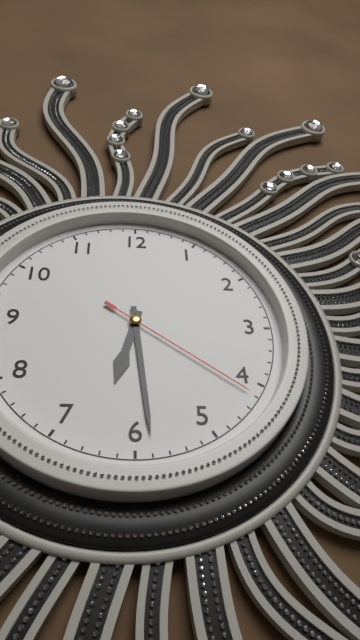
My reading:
{"hour": 6, "minute": 29, "second": 21}
